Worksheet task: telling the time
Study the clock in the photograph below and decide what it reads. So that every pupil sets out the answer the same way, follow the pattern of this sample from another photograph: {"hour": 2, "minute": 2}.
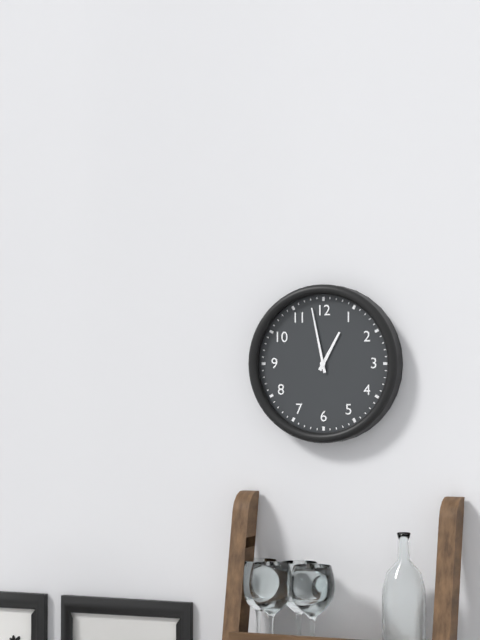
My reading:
{"hour": 12, "minute": 58}
